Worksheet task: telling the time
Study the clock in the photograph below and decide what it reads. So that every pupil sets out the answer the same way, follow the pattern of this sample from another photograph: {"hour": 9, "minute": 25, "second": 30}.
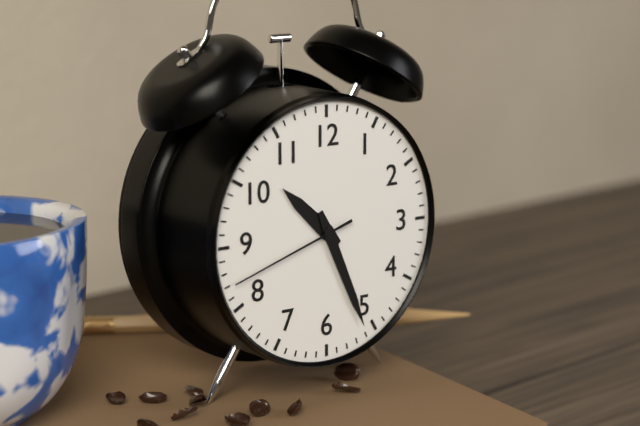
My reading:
{"hour": 10, "minute": 26, "second": 42}
